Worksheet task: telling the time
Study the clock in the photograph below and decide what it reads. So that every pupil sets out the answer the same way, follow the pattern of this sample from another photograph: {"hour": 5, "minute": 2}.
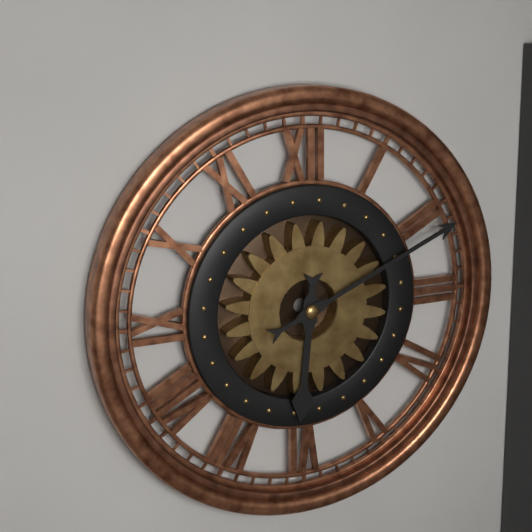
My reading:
{"hour": 6, "minute": 11}
